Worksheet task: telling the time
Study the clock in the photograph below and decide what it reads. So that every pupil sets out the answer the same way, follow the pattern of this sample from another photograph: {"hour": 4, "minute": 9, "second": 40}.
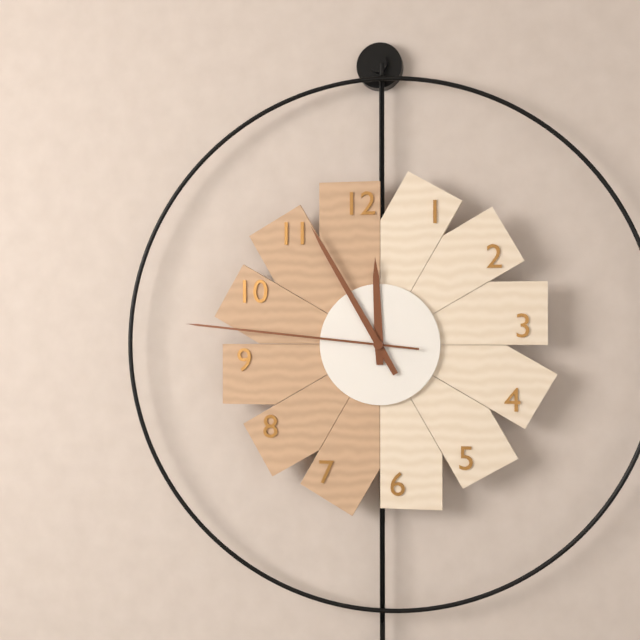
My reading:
{"hour": 11, "minute": 55, "second": 46}
